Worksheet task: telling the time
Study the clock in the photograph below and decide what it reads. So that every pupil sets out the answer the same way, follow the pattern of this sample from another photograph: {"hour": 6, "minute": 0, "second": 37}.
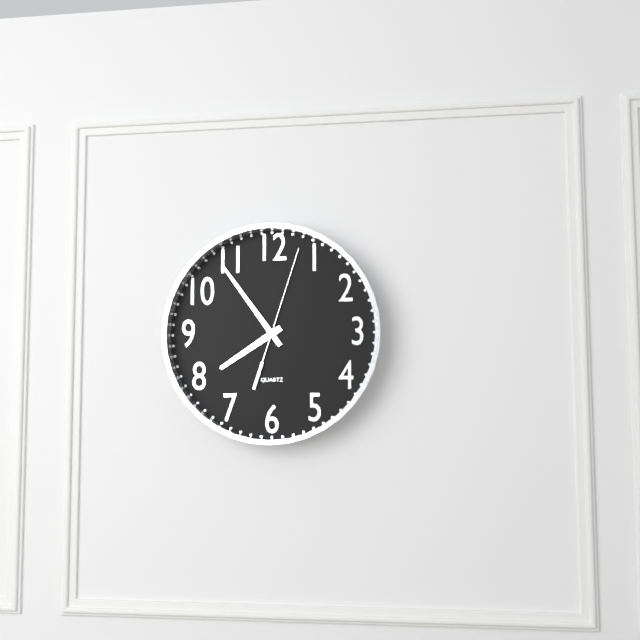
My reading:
{"hour": 7, "minute": 54, "second": 3}
